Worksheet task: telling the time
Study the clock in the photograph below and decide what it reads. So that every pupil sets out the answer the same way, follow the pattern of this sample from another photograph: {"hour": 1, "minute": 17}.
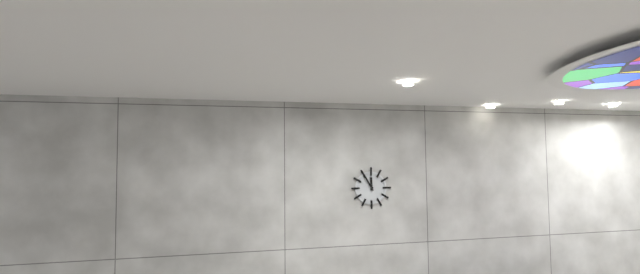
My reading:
{"hour": 11, "minute": 55}
